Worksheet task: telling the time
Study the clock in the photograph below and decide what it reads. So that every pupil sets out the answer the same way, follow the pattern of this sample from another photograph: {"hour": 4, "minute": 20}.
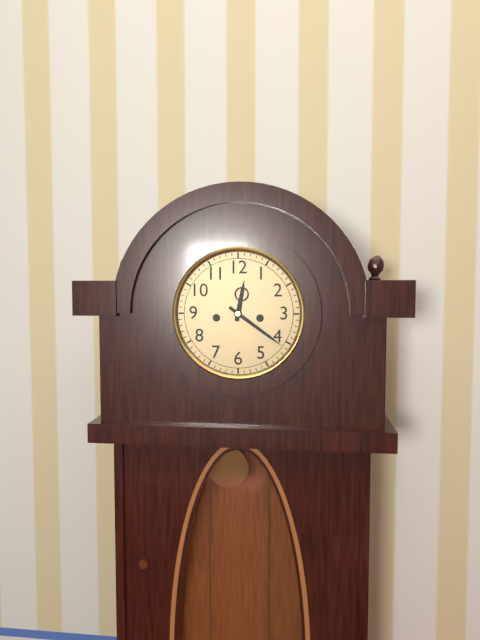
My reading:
{"hour": 12, "minute": 21}
